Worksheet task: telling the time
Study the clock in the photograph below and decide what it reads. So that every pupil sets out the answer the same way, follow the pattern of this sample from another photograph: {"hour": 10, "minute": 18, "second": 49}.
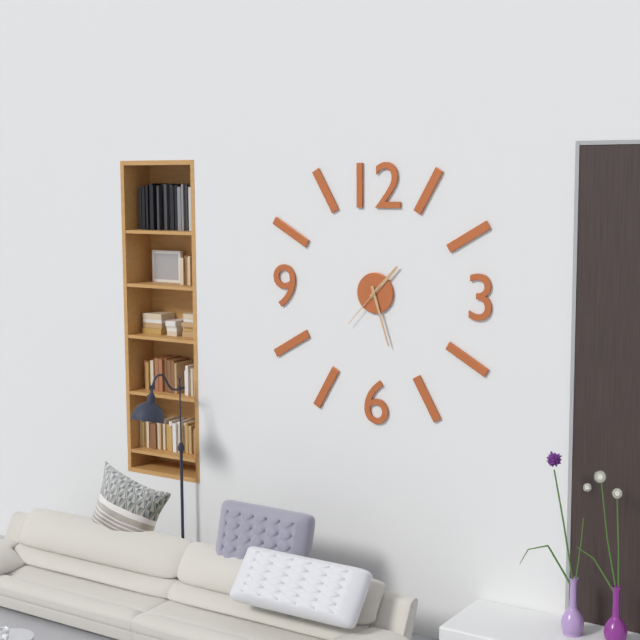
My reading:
{"hour": 1, "minute": 27, "second": 37}
